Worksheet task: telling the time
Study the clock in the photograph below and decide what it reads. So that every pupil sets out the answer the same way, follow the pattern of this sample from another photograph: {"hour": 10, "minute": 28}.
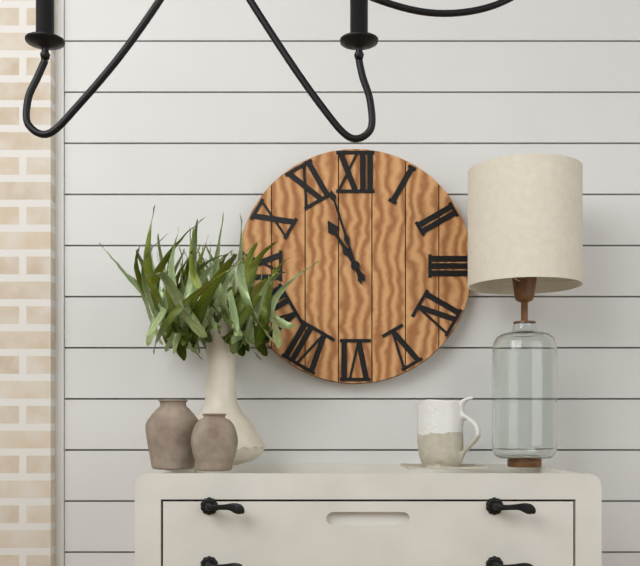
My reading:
{"hour": 10, "minute": 57}
